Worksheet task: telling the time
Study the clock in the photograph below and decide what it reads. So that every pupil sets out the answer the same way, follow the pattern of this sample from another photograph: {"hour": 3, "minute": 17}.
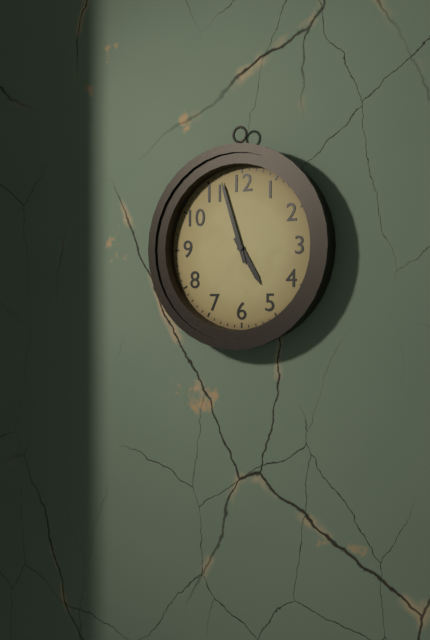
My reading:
{"hour": 4, "minute": 57}
